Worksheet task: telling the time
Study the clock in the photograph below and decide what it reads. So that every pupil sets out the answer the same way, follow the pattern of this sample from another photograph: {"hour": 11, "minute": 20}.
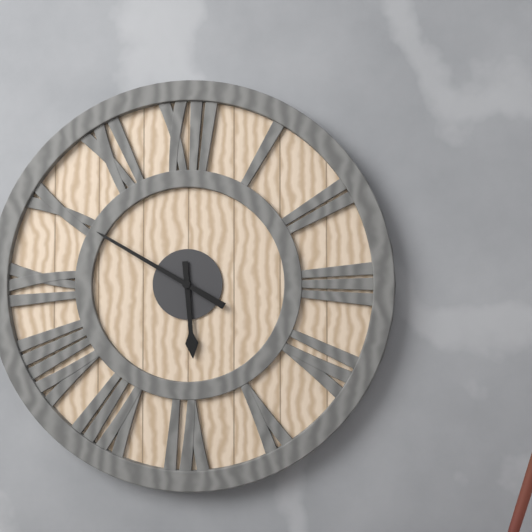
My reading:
{"hour": 5, "minute": 50}
